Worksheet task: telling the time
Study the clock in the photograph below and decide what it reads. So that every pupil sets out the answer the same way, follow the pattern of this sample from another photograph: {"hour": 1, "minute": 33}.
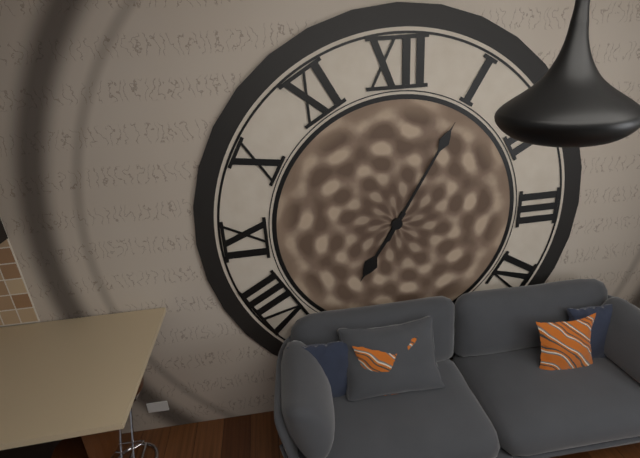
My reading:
{"hour": 7, "minute": 5}
